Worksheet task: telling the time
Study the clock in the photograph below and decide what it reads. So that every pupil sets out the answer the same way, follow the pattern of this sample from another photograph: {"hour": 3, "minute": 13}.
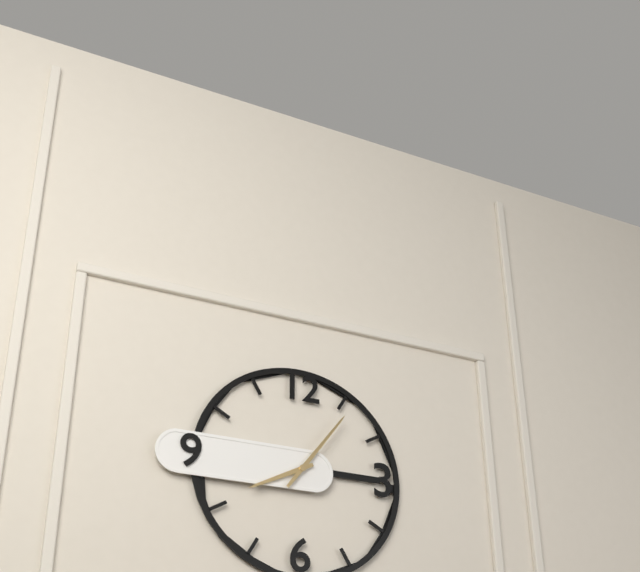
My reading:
{"hour": 8, "minute": 6}
